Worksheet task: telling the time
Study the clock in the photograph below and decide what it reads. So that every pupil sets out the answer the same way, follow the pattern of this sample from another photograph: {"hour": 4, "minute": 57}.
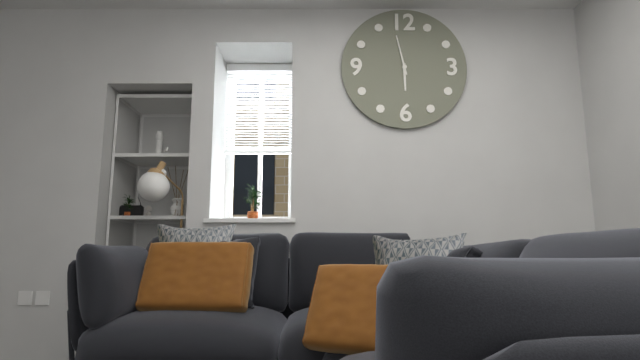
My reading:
{"hour": 5, "minute": 58}
